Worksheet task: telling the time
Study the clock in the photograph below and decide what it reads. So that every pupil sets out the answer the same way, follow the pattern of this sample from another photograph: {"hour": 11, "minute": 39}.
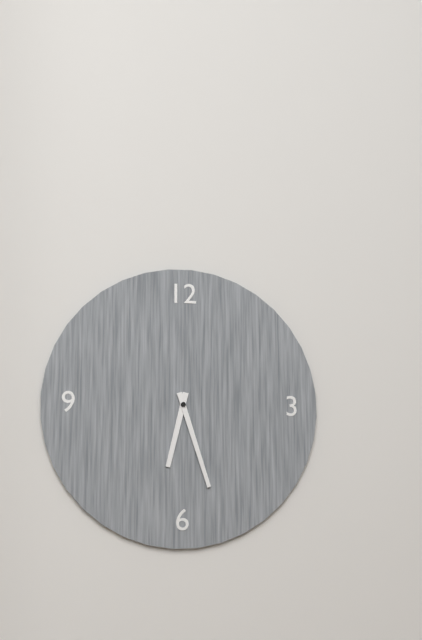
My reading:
{"hour": 6, "minute": 27}
